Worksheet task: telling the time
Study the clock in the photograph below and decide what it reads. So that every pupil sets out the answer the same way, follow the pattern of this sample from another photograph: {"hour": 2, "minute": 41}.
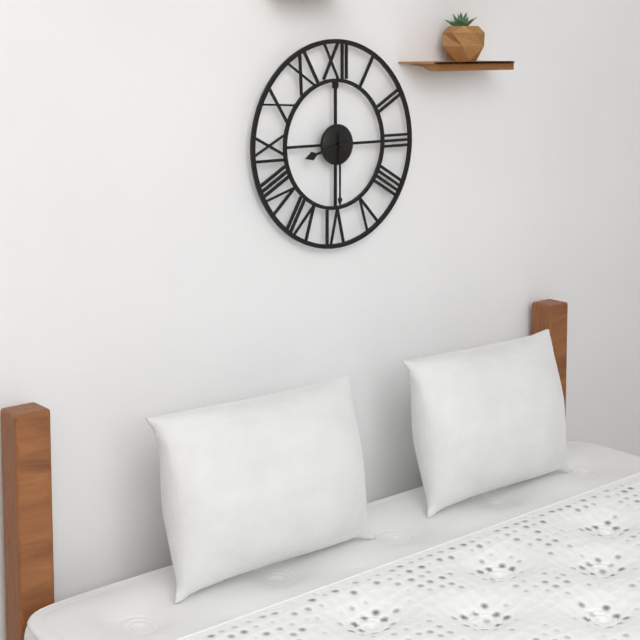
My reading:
{"hour": 8, "minute": 30}
